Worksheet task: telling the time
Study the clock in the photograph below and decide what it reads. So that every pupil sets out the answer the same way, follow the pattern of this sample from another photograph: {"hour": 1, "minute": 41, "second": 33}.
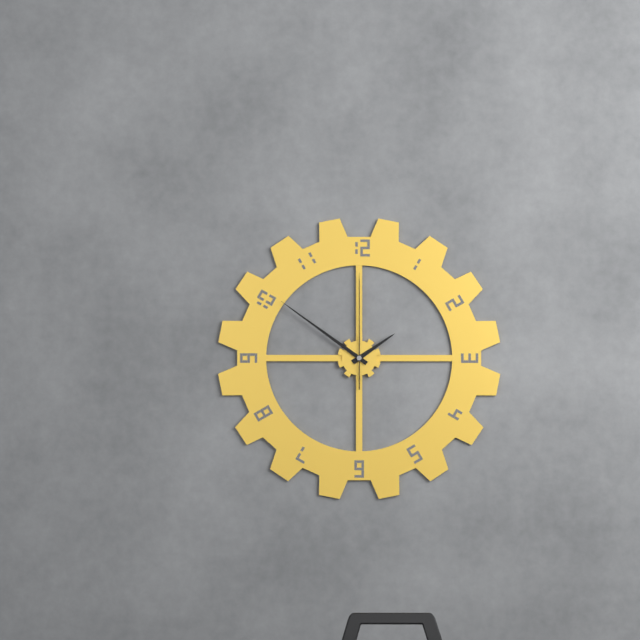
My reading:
{"hour": 1, "minute": 51, "second": 0}
